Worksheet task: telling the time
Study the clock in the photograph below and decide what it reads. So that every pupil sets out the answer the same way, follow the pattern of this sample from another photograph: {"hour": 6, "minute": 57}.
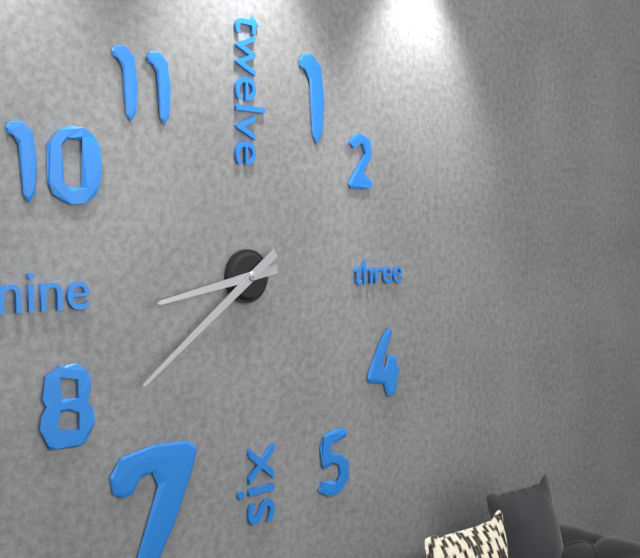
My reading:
{"hour": 8, "minute": 39}
